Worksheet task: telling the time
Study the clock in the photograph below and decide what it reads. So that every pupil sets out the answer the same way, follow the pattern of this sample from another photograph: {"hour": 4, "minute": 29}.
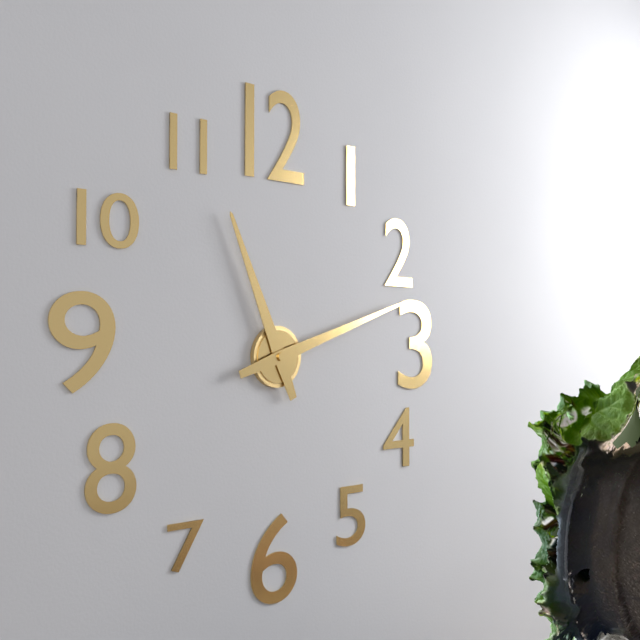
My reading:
{"hour": 11, "minute": 12}
